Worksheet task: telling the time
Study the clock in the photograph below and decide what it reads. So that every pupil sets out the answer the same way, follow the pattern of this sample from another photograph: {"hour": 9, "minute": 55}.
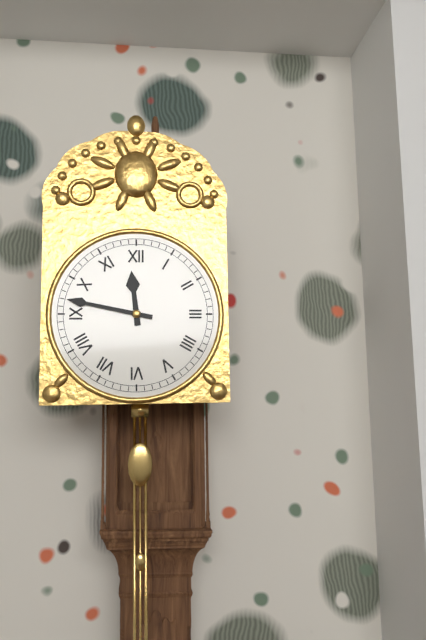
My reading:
{"hour": 11, "minute": 47}
